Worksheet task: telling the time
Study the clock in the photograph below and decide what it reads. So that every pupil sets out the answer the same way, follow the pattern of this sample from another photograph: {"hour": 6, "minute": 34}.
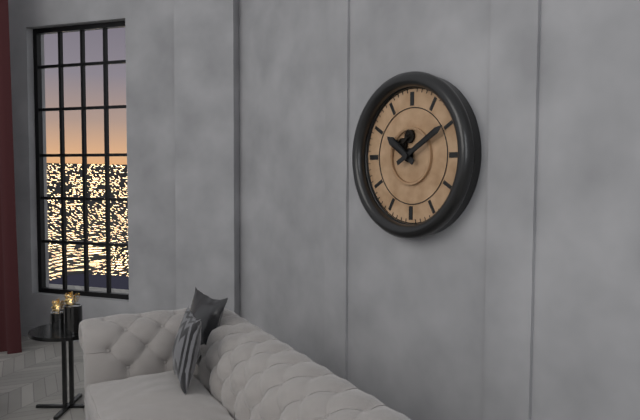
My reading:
{"hour": 10, "minute": 10}
